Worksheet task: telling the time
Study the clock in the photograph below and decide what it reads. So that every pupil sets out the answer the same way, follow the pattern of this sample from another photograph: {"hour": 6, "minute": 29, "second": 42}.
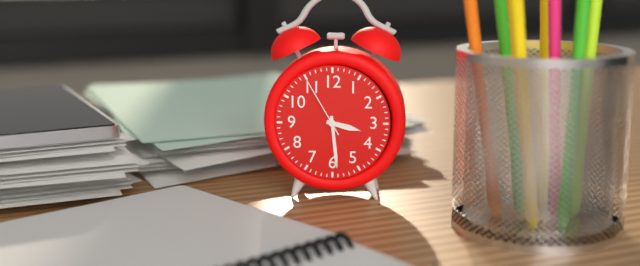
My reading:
{"hour": 3, "minute": 29, "second": 55}
